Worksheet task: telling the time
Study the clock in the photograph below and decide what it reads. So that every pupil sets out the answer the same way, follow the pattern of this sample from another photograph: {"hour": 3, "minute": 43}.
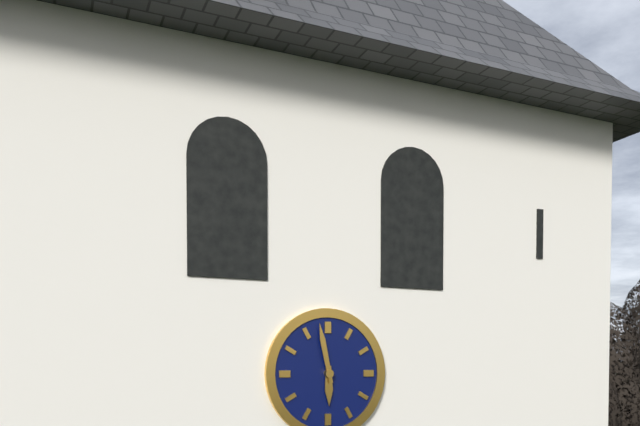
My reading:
{"hour": 5, "minute": 58}
